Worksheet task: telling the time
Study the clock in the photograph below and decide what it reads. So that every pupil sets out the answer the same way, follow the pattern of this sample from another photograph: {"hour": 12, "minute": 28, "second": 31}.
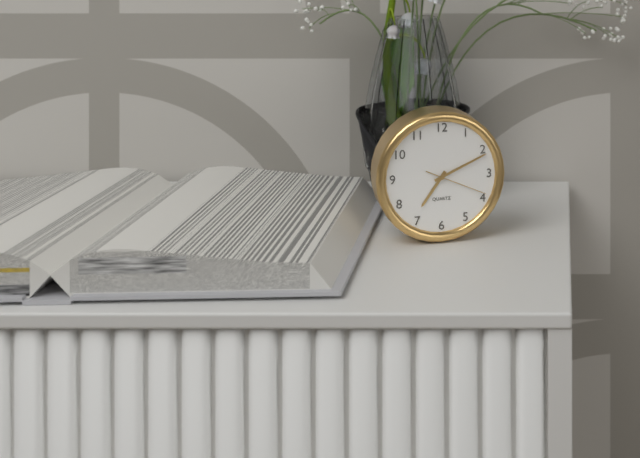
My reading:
{"hour": 7, "minute": 11, "second": 19}
